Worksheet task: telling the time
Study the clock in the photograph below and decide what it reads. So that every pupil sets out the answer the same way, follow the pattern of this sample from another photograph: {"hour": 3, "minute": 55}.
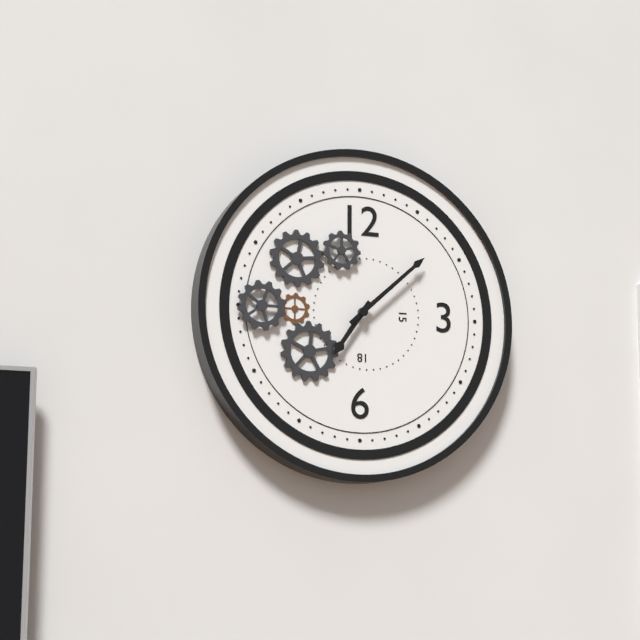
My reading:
{"hour": 7, "minute": 8}
